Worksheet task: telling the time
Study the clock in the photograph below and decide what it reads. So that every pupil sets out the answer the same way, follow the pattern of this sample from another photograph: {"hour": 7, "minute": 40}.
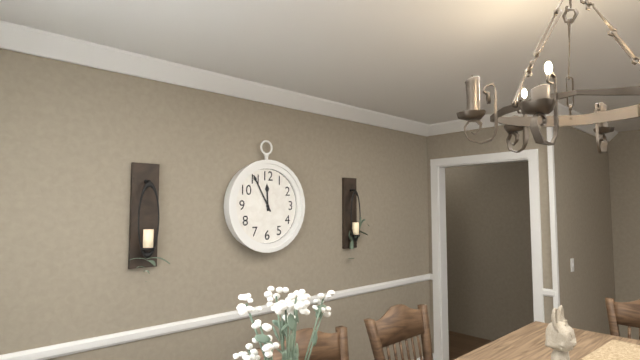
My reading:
{"hour": 11, "minute": 55}
